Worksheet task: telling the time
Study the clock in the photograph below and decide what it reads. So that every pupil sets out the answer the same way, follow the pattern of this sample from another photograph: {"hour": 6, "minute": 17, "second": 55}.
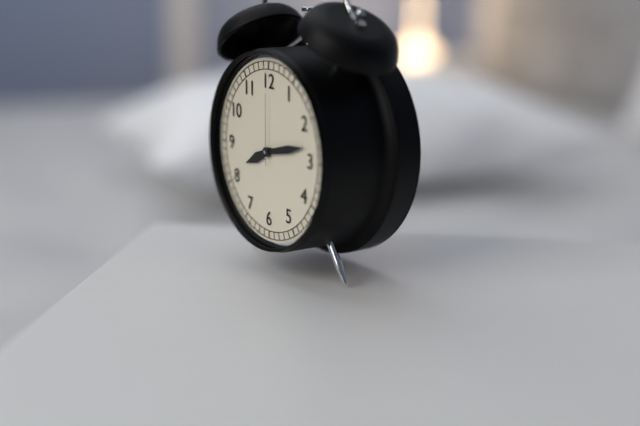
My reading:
{"hour": 8, "minute": 13, "second": 0}
